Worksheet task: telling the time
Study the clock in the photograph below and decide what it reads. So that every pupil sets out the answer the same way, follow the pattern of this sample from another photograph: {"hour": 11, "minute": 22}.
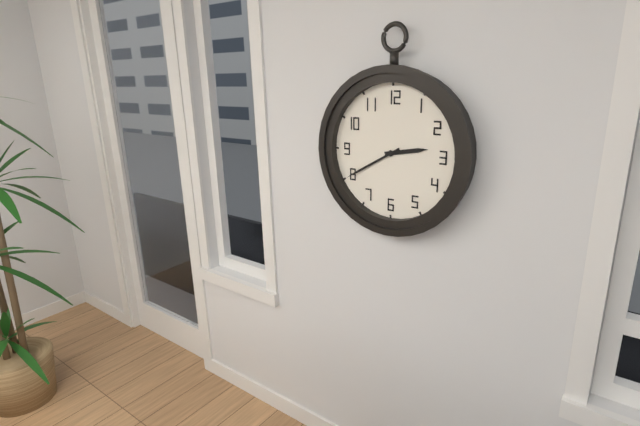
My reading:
{"hour": 2, "minute": 40}
